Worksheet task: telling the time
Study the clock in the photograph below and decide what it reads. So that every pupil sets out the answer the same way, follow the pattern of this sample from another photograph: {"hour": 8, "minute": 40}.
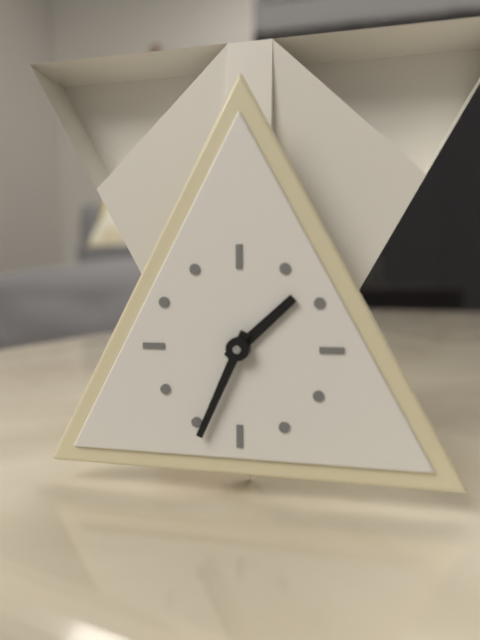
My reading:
{"hour": 1, "minute": 34}
